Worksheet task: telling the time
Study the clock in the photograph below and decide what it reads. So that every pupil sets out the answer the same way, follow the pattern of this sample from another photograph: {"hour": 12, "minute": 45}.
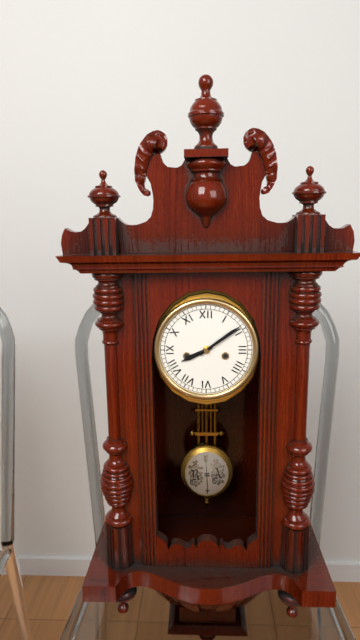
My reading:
{"hour": 8, "minute": 9}
